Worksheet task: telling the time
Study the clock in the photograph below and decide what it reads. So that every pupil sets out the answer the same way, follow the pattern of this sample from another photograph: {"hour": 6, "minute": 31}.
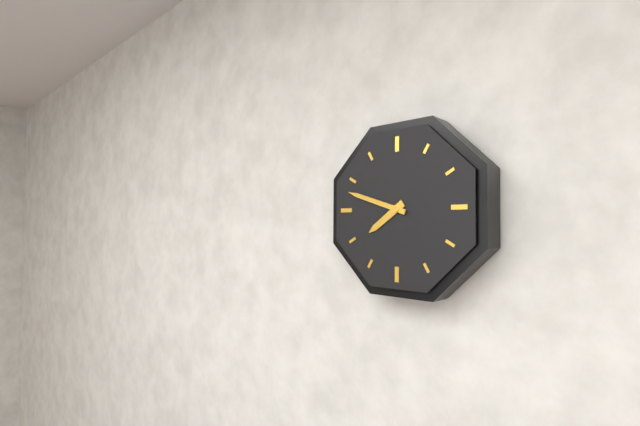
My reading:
{"hour": 7, "minute": 48}
